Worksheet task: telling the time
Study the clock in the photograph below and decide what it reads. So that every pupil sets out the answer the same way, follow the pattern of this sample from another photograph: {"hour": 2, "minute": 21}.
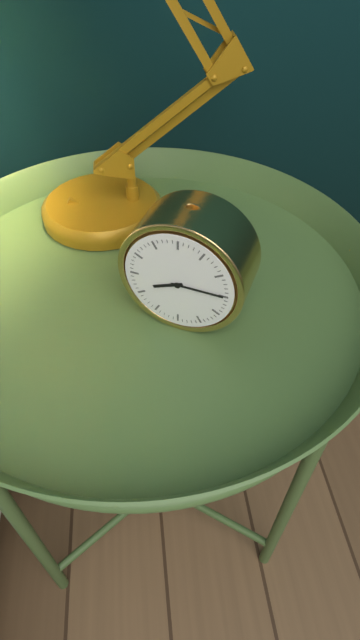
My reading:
{"hour": 8, "minute": 15}
